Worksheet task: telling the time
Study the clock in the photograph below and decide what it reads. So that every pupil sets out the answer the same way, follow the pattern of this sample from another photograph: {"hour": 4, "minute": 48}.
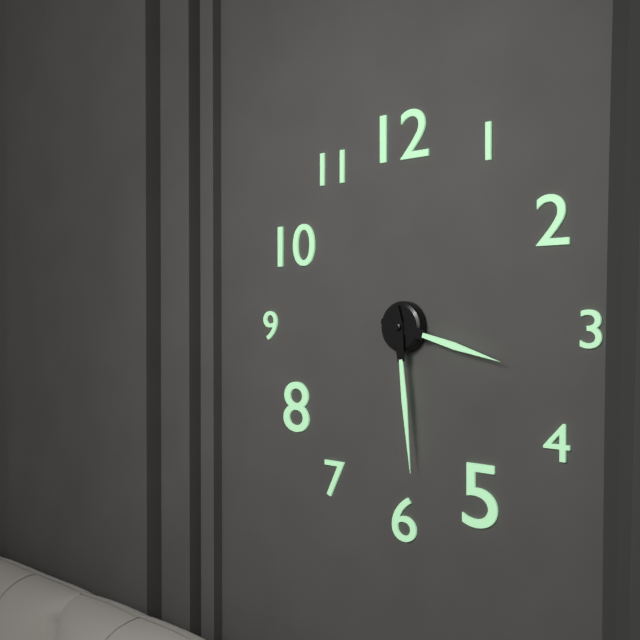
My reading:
{"hour": 3, "minute": 29}
